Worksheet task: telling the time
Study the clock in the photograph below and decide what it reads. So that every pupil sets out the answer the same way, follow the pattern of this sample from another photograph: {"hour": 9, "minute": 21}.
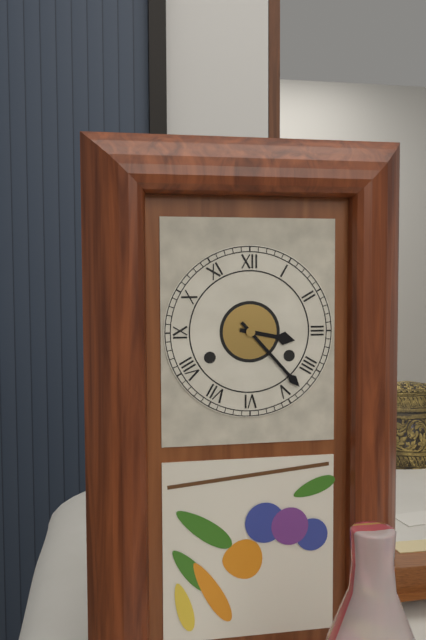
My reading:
{"hour": 3, "minute": 23}
